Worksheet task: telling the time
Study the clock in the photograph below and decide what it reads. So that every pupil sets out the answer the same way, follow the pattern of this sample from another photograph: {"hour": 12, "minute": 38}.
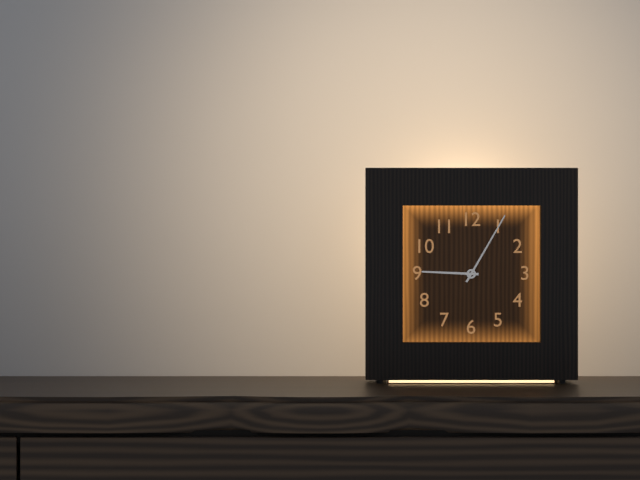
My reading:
{"hour": 9, "minute": 5}
